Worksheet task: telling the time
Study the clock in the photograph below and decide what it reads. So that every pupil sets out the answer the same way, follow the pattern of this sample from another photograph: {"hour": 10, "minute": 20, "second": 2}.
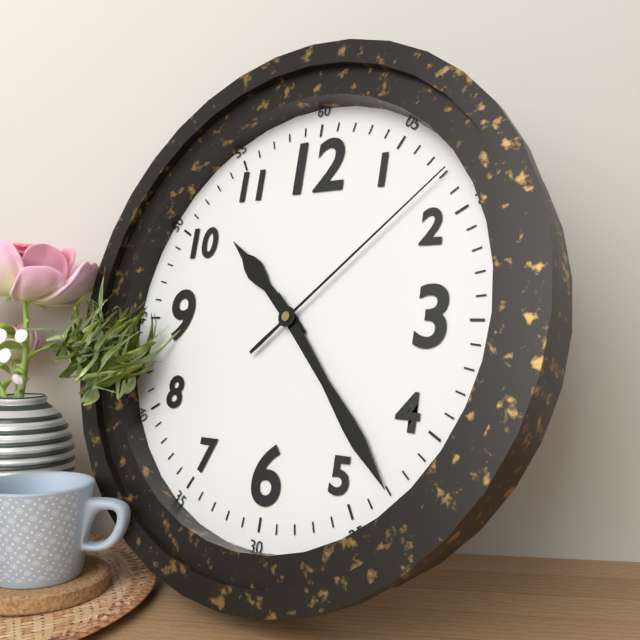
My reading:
{"hour": 10, "minute": 23, "second": 8}
